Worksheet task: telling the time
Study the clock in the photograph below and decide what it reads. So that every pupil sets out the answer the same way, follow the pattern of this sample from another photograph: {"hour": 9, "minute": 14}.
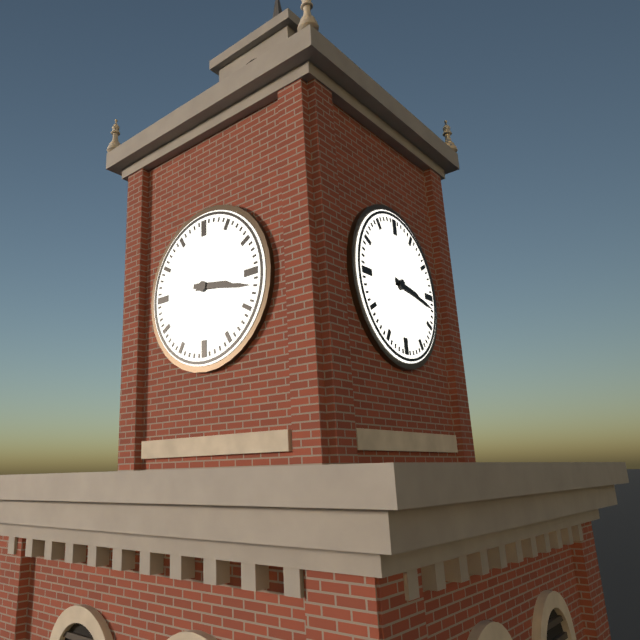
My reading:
{"hour": 3, "minute": 17}
